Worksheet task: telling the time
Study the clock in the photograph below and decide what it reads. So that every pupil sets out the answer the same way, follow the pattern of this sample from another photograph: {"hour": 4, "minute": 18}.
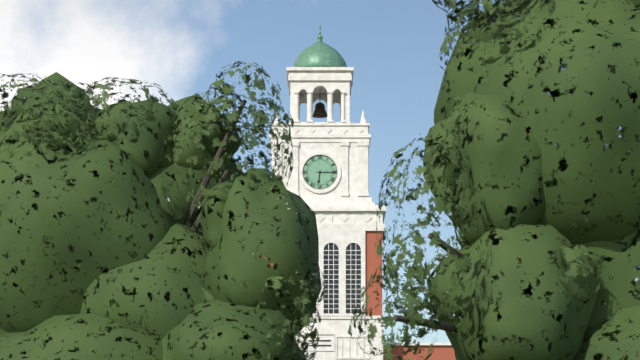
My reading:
{"hour": 6, "minute": 15}
